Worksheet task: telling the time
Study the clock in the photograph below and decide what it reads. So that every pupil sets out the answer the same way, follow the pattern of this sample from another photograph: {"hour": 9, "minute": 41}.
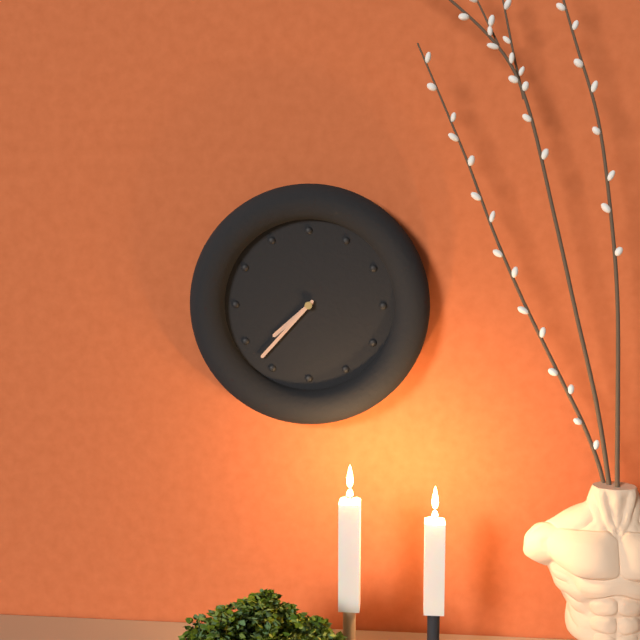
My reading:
{"hour": 7, "minute": 37}
